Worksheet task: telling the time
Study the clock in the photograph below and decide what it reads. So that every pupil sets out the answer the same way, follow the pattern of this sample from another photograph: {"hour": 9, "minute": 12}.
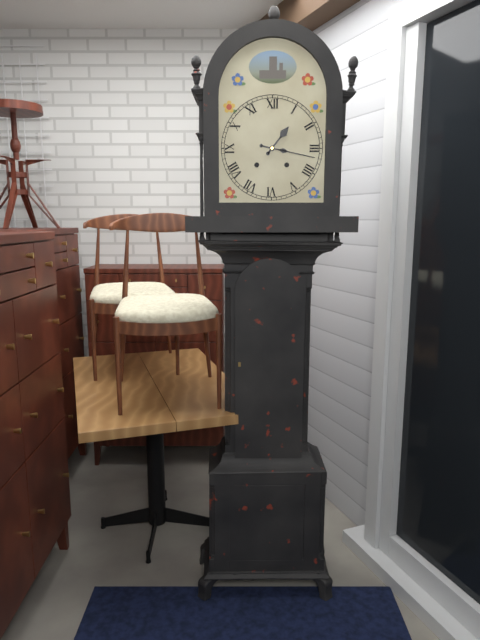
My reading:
{"hour": 1, "minute": 17}
